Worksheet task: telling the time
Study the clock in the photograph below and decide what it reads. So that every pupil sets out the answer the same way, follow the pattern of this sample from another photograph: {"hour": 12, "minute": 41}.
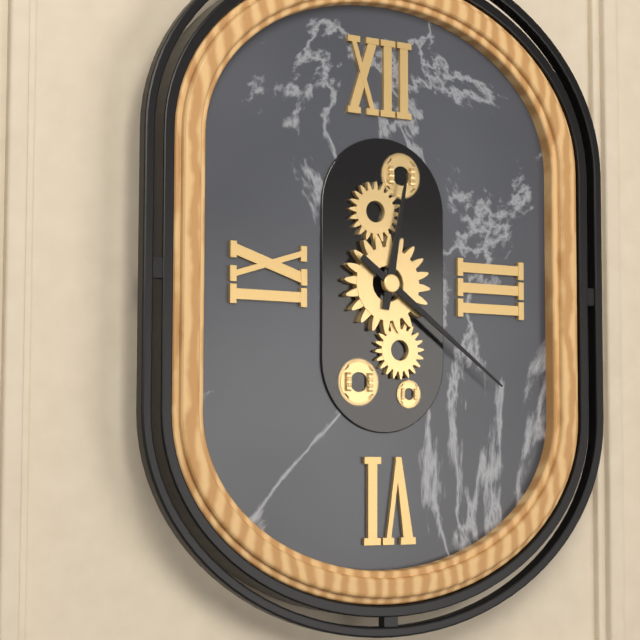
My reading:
{"hour": 12, "minute": 21}
